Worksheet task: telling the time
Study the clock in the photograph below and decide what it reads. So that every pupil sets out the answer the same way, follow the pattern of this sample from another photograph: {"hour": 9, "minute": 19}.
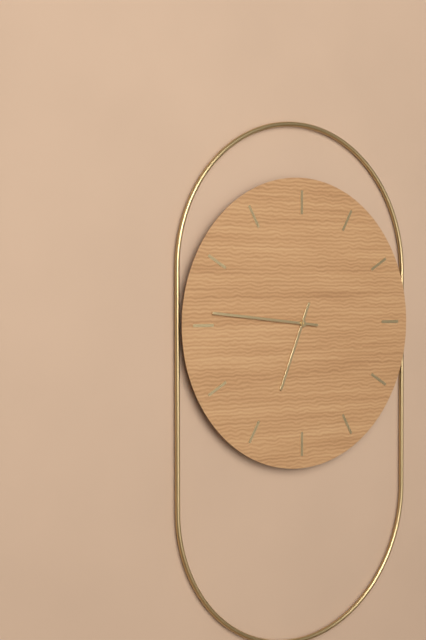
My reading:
{"hour": 6, "minute": 46}
